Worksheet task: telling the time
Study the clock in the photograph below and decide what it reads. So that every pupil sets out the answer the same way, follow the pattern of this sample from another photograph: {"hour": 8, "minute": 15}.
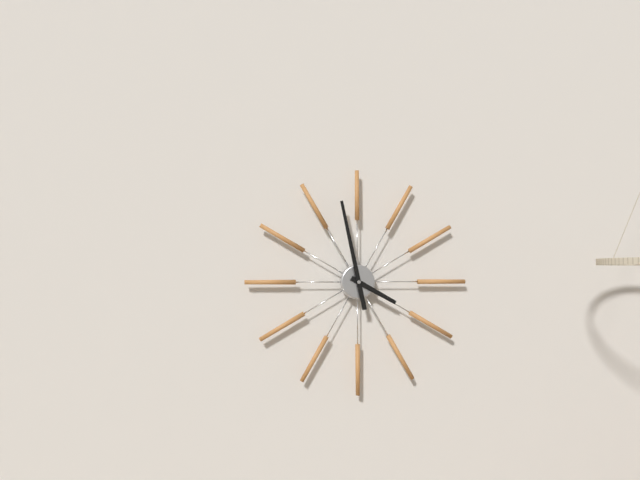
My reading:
{"hour": 3, "minute": 58}
